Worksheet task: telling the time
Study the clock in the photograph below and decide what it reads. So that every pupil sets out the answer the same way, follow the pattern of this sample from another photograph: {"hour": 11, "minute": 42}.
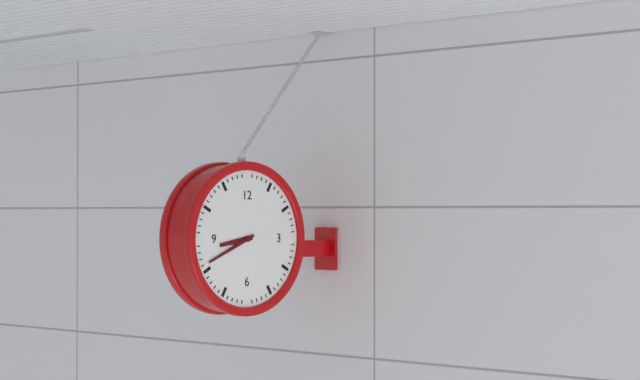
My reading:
{"hour": 8, "minute": 41}
